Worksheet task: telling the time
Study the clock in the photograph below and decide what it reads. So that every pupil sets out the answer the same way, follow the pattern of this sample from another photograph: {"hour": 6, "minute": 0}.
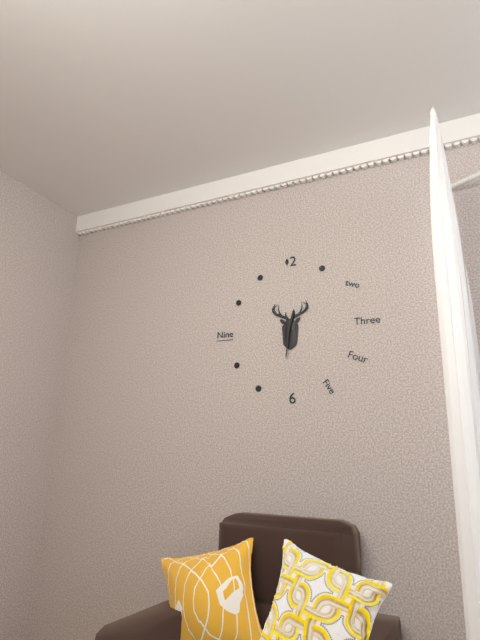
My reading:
{"hour": 12, "minute": 31}
